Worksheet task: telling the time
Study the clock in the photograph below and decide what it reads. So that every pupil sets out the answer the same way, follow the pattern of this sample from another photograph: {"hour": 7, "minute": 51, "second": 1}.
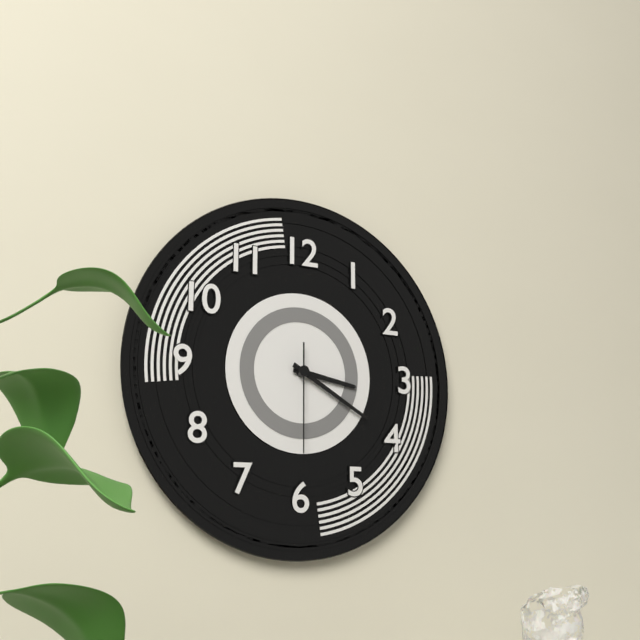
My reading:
{"hour": 3, "minute": 20, "second": 30}
